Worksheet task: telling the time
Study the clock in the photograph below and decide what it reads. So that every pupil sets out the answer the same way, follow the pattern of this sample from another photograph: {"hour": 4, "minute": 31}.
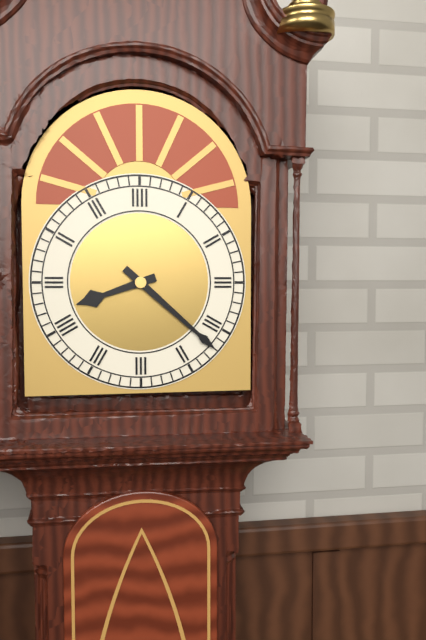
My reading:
{"hour": 8, "minute": 22}
